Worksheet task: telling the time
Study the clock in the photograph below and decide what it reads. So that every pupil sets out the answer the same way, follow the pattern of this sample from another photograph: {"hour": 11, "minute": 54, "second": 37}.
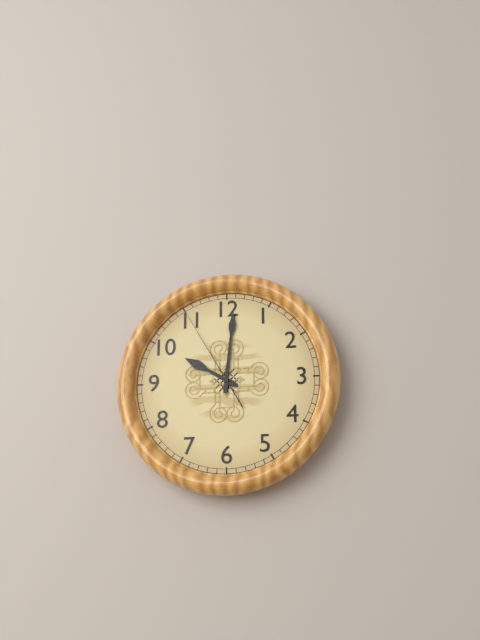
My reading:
{"hour": 10, "minute": 1, "second": 55}
